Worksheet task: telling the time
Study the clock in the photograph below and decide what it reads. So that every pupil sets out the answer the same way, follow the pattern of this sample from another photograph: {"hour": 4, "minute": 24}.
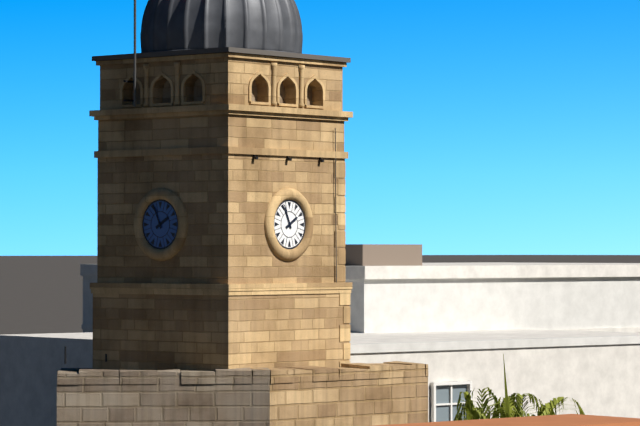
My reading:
{"hour": 1, "minute": 56}
